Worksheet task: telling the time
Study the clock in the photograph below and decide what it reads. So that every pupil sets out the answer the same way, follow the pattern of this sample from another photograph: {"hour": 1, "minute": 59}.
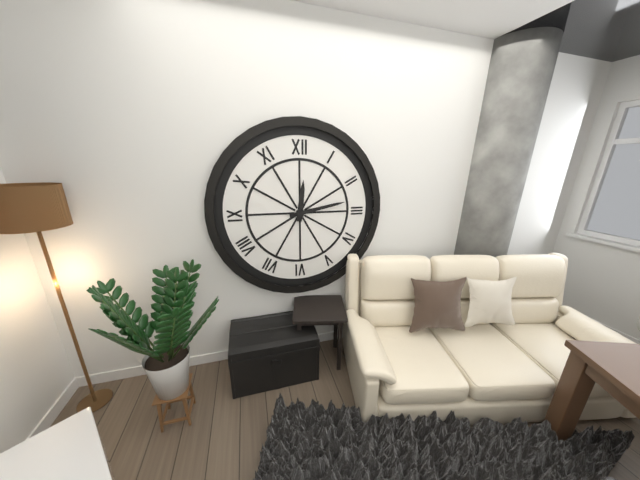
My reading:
{"hour": 12, "minute": 13}
